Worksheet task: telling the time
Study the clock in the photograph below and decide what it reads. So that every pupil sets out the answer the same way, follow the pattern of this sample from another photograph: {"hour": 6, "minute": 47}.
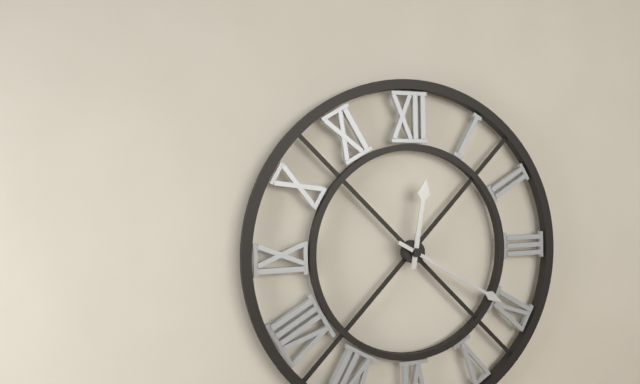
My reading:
{"hour": 12, "minute": 20}
